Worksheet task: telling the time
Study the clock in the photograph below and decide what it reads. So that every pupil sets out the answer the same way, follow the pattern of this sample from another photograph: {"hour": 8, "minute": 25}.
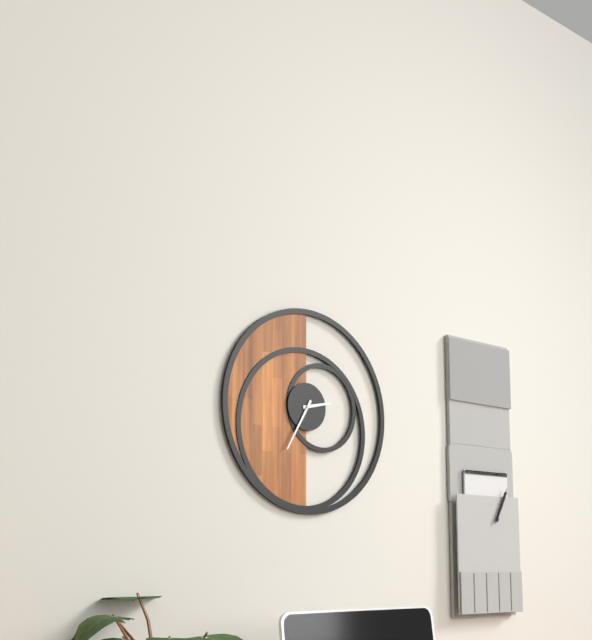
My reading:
{"hour": 2, "minute": 35}
